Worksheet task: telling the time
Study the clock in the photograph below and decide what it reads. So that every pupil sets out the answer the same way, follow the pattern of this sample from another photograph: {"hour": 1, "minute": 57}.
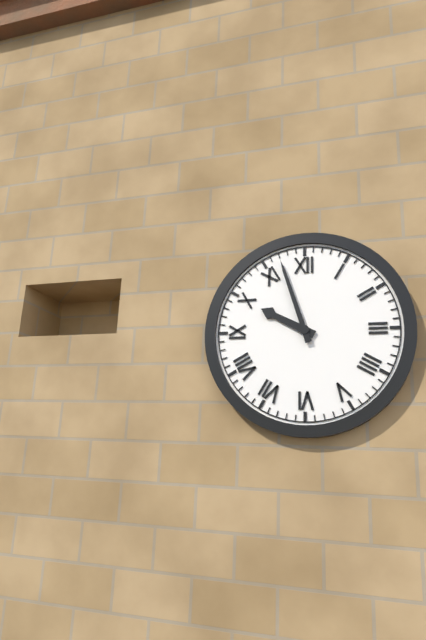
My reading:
{"hour": 9, "minute": 57}
